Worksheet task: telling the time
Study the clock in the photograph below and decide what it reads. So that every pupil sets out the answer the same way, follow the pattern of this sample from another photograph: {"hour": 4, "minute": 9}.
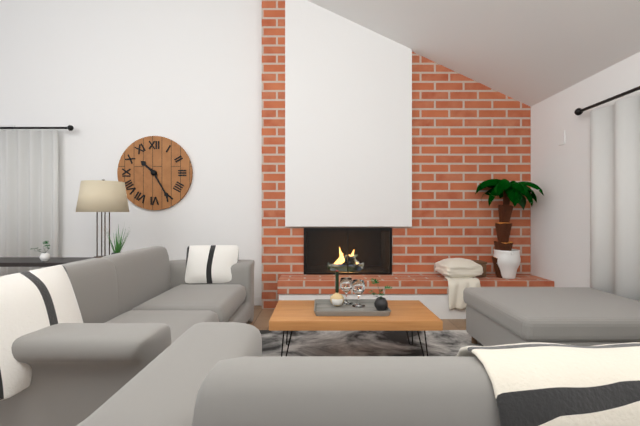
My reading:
{"hour": 10, "minute": 25}
